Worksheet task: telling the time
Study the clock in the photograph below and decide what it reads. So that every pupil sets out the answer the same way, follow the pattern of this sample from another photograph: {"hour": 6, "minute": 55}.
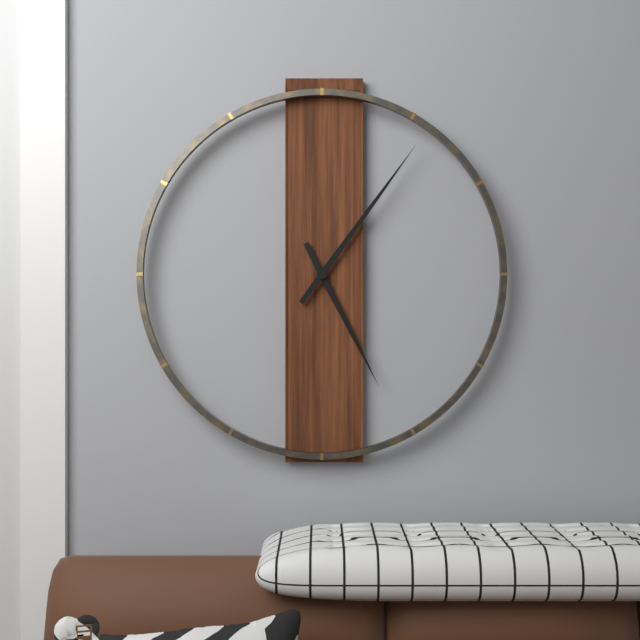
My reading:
{"hour": 5, "minute": 6}
